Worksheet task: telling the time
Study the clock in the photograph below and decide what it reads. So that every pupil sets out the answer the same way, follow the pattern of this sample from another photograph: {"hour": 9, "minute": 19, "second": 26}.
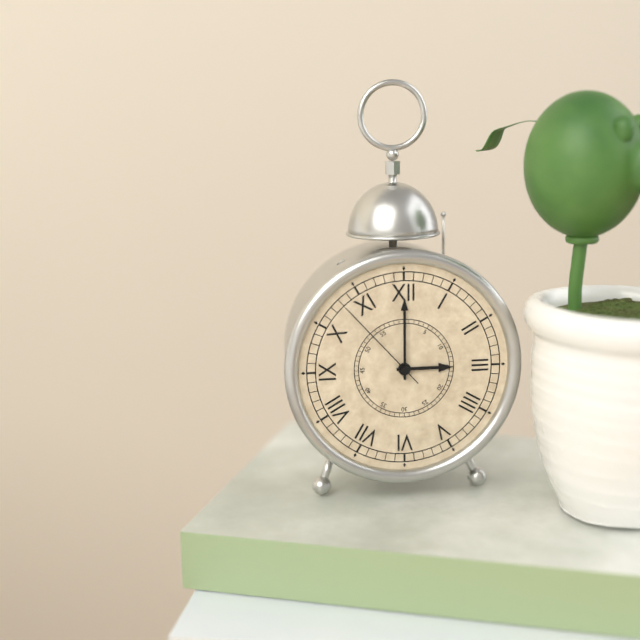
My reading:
{"hour": 3, "minute": 0, "second": 53}
